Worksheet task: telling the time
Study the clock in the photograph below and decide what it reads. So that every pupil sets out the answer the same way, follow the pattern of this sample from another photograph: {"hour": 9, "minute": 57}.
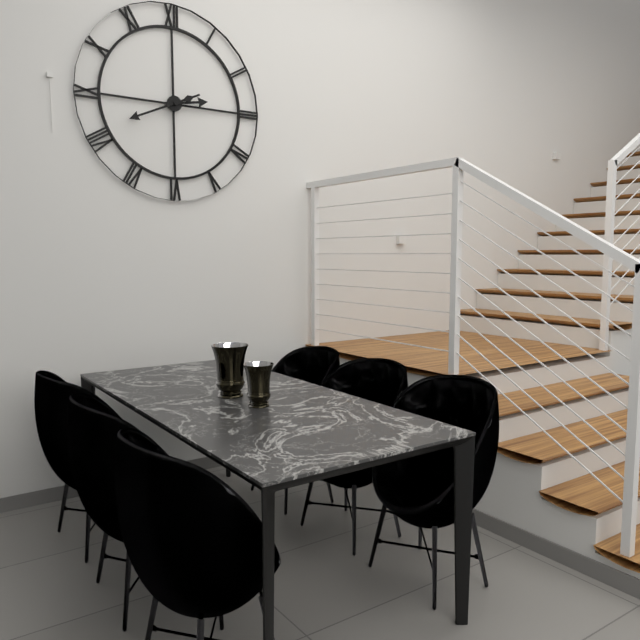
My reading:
{"hour": 2, "minute": 41}
